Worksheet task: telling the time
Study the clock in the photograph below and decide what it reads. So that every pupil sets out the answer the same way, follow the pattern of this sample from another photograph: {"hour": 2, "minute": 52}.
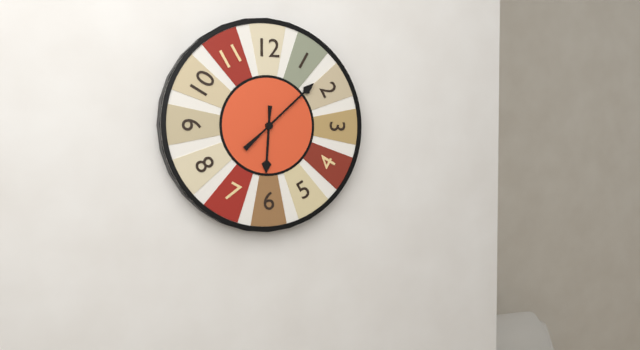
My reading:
{"hour": 6, "minute": 8}
